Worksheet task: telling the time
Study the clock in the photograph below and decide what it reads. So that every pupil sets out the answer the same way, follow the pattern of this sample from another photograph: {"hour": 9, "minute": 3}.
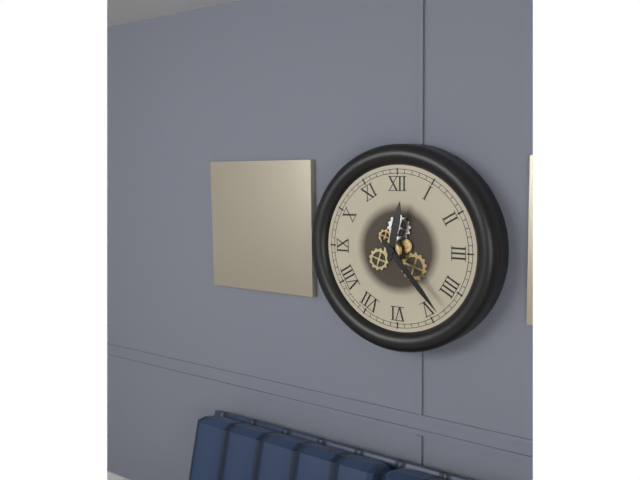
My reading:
{"hour": 12, "minute": 23}
